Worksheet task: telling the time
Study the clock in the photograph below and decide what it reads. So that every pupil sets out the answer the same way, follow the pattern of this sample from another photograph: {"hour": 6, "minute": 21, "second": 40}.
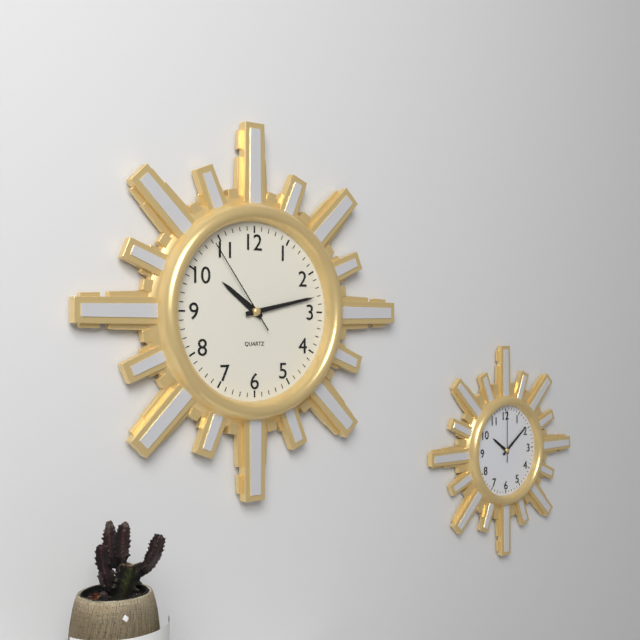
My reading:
{"hour": 10, "minute": 13, "second": 54}
